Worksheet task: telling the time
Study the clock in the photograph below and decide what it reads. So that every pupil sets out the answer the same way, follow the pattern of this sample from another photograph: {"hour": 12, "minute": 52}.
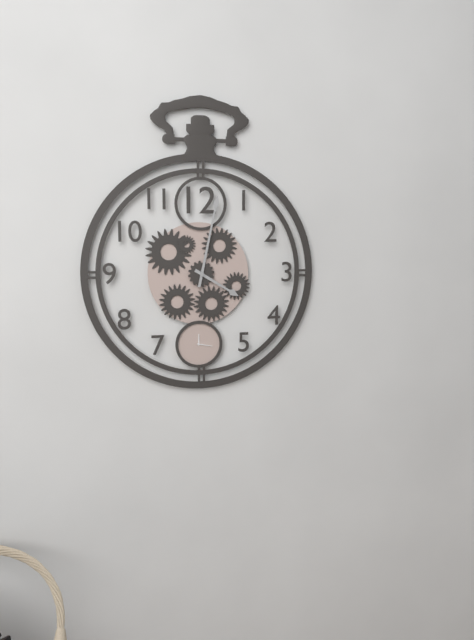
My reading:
{"hour": 4, "minute": 2}
